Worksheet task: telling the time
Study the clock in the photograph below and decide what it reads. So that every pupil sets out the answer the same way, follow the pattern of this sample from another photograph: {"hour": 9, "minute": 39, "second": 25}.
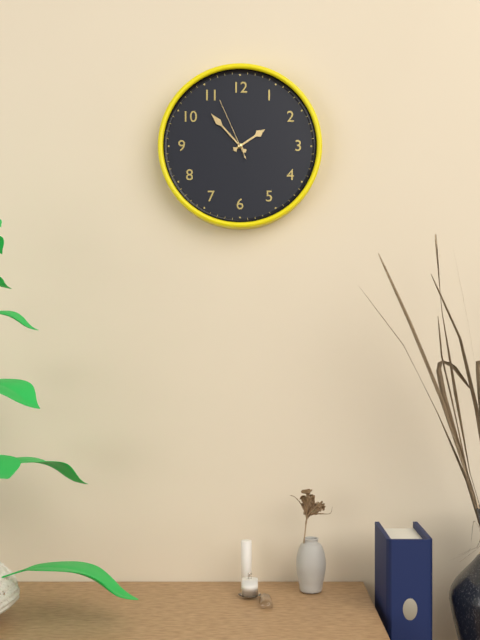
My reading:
{"hour": 1, "minute": 53, "second": 56}
